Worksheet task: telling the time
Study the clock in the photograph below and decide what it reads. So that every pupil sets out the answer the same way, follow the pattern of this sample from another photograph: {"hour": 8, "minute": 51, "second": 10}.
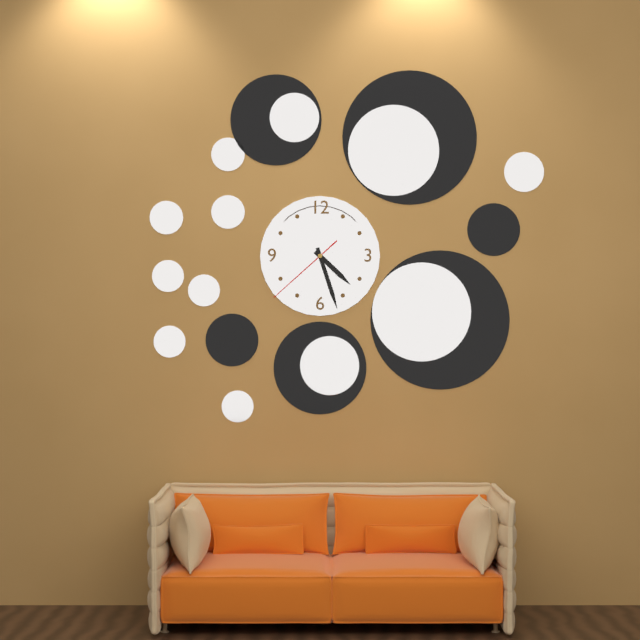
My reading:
{"hour": 4, "minute": 27, "second": 38}
